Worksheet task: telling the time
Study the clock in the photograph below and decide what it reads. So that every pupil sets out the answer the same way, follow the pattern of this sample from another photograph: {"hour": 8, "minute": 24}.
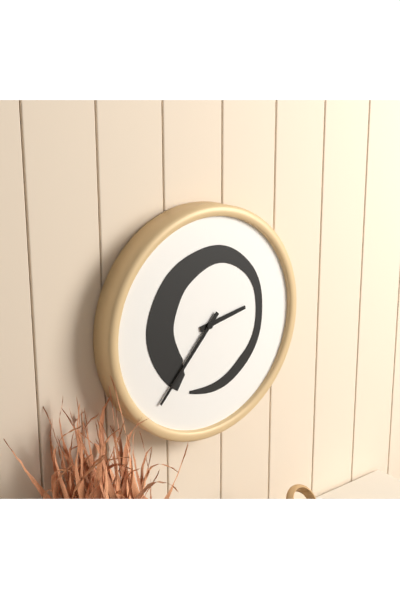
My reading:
{"hour": 2, "minute": 37}
